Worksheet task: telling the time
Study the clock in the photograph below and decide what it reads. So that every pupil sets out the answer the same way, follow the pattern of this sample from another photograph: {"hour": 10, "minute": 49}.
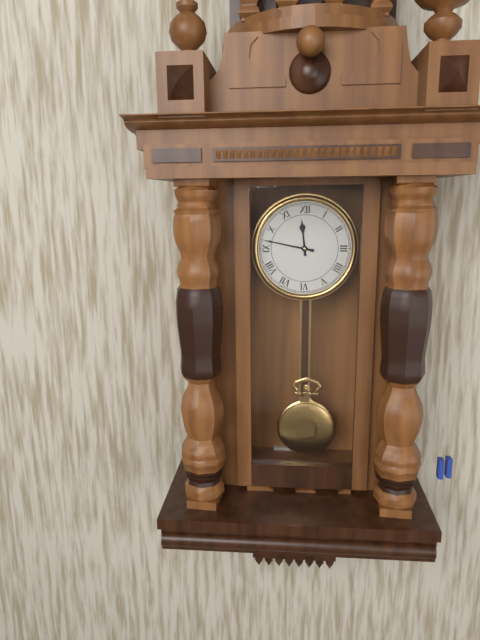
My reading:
{"hour": 11, "minute": 47}
